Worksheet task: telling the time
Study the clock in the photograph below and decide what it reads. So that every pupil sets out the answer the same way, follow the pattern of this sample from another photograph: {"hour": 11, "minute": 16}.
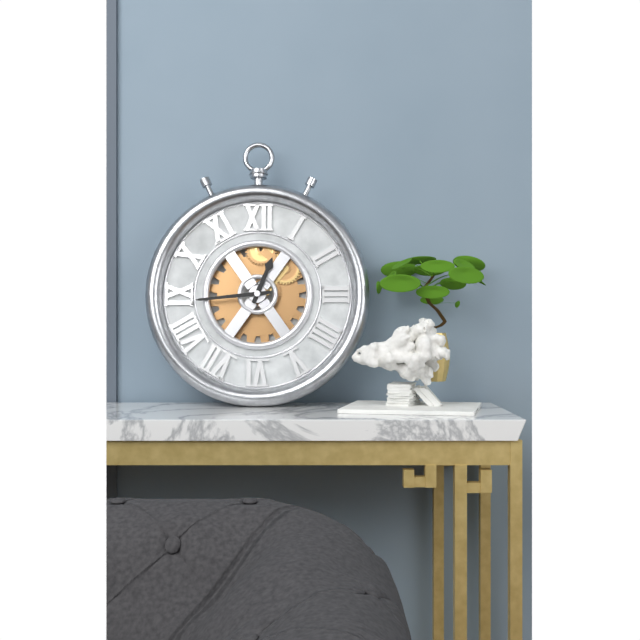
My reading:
{"hour": 12, "minute": 44}
